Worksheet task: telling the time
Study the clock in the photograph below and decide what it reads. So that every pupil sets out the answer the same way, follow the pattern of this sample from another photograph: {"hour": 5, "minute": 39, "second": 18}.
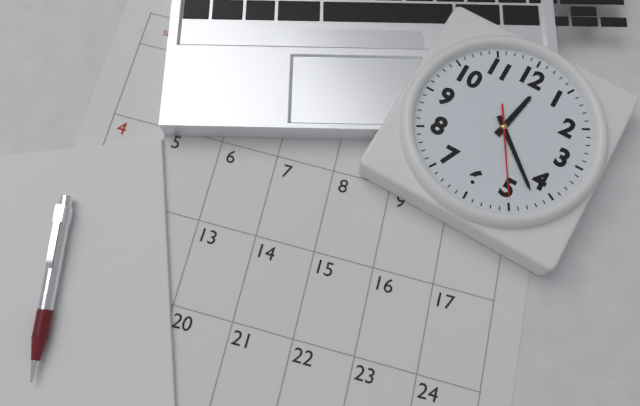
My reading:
{"hour": 12, "minute": 22, "second": 25}
